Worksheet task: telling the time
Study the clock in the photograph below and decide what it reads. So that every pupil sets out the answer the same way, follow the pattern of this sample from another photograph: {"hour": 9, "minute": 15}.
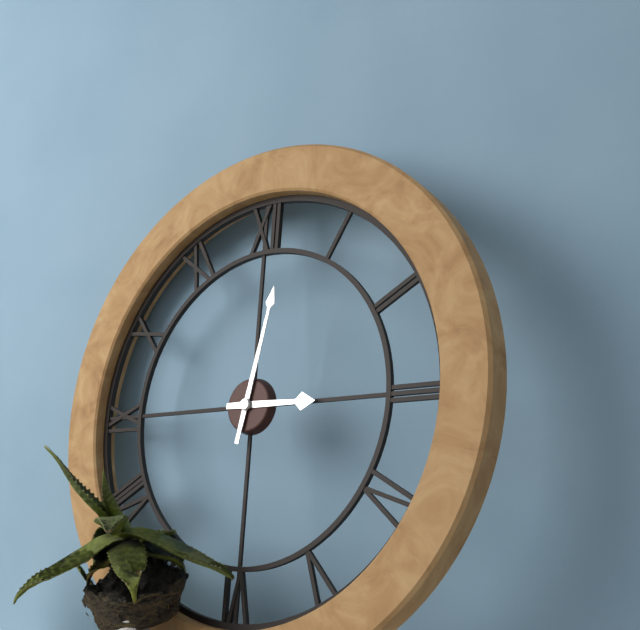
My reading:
{"hour": 3, "minute": 2}
